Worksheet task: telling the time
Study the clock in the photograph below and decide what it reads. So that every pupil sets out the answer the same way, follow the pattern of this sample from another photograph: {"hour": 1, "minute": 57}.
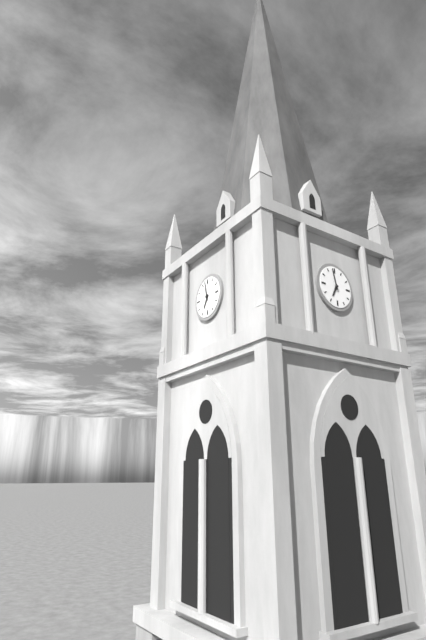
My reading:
{"hour": 6, "minute": 58}
